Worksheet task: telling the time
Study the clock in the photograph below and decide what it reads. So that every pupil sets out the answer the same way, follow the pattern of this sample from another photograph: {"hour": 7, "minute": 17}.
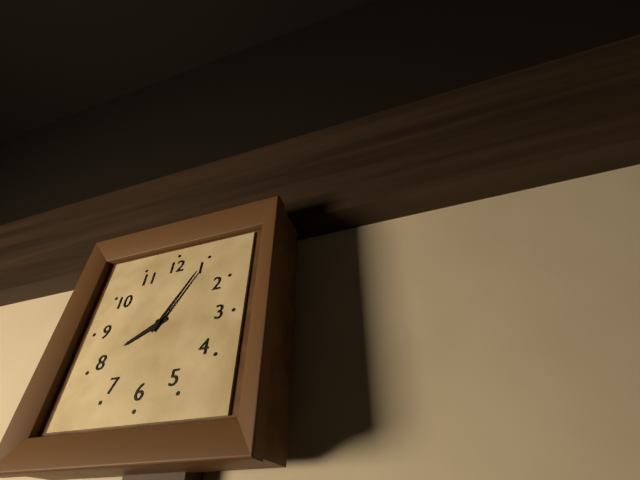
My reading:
{"hour": 8, "minute": 5}
